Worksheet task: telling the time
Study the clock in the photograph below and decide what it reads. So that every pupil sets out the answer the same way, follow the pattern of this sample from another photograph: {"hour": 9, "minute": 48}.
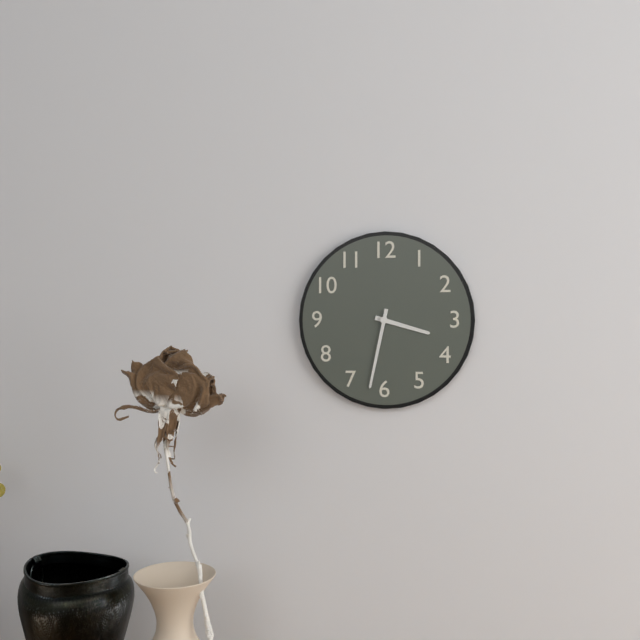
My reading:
{"hour": 3, "minute": 32}
